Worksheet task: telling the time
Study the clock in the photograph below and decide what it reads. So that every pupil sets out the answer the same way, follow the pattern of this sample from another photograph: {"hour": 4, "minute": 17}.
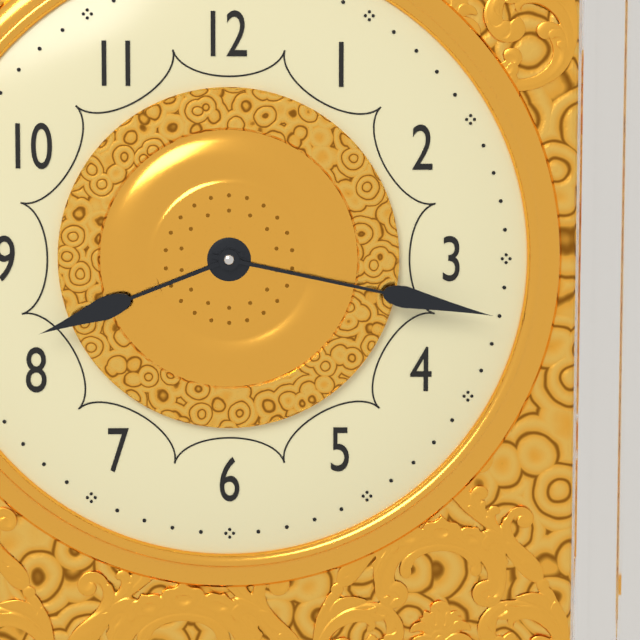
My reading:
{"hour": 8, "minute": 17}
